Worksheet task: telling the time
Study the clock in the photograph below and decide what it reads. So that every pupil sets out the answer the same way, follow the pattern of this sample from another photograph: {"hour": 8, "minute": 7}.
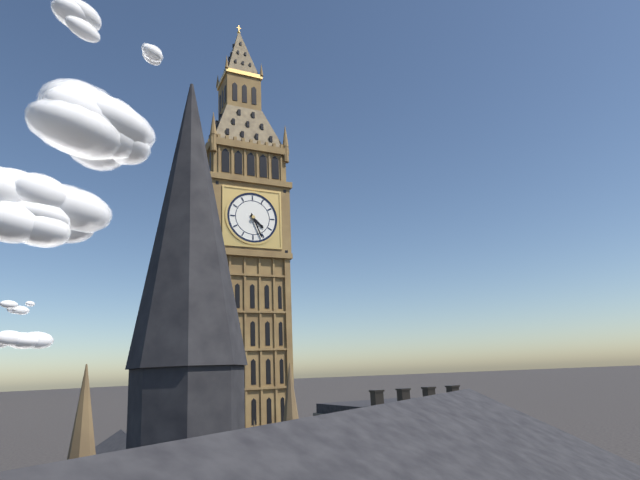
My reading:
{"hour": 4, "minute": 26}
